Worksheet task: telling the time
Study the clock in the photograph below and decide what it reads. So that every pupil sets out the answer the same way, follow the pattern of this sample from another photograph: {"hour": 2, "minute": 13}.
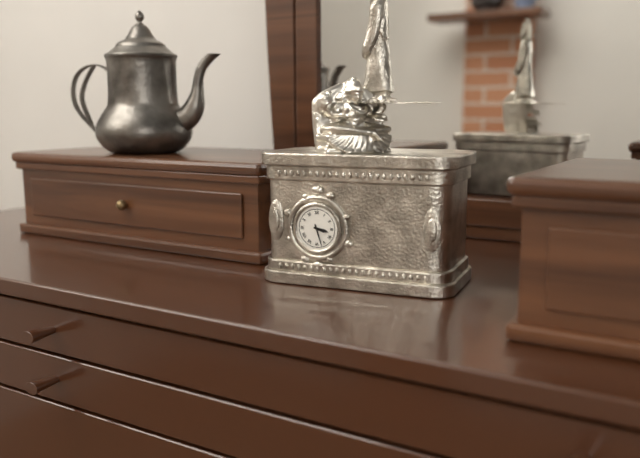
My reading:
{"hour": 3, "minute": 27}
